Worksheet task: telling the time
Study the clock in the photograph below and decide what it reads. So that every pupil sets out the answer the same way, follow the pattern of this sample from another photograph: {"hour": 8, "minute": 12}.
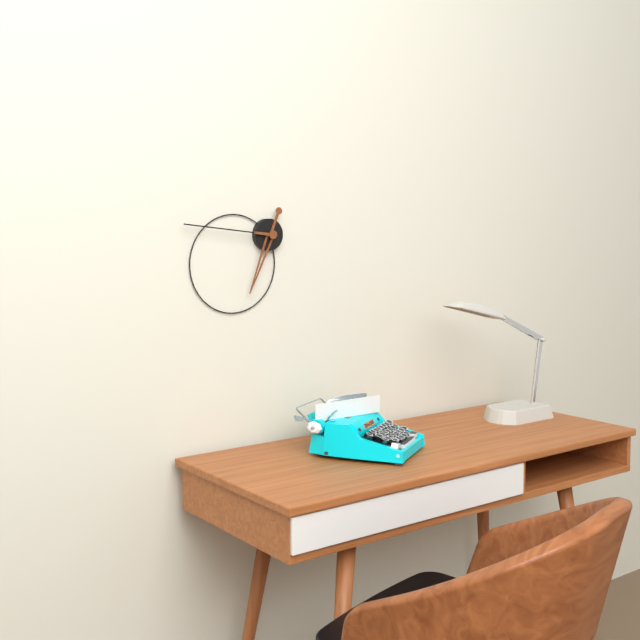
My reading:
{"hour": 6, "minute": 46}
